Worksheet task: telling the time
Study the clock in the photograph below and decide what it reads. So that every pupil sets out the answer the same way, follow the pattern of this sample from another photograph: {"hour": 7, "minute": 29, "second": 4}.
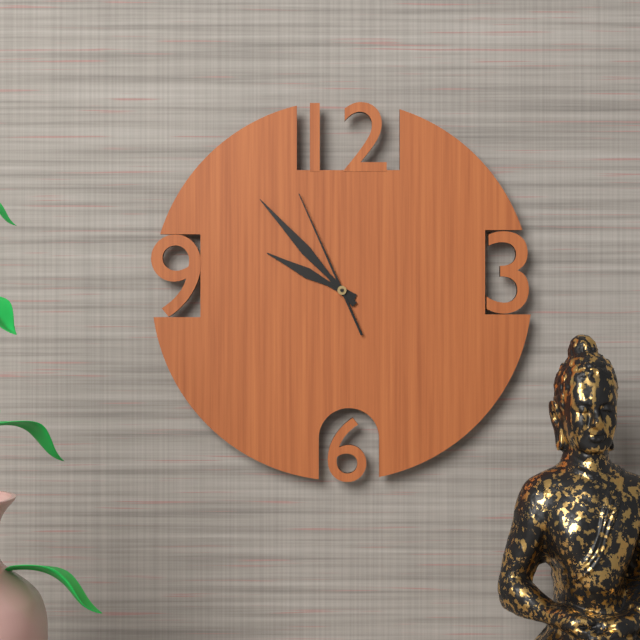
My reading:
{"hour": 9, "minute": 53, "second": 56}
